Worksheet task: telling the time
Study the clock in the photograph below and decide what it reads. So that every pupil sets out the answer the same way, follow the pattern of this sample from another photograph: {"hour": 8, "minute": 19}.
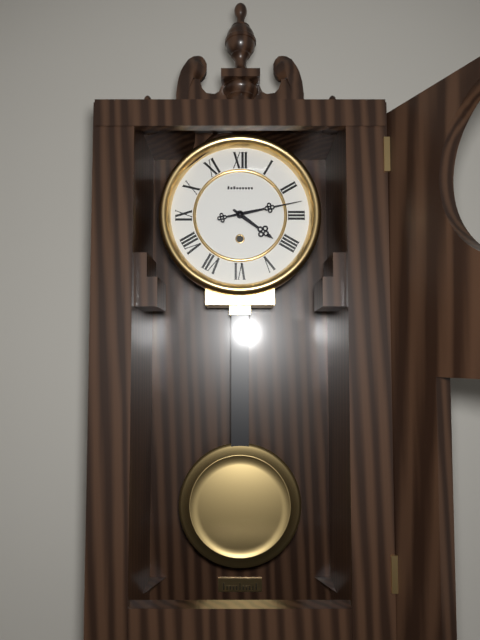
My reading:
{"hour": 4, "minute": 13}
